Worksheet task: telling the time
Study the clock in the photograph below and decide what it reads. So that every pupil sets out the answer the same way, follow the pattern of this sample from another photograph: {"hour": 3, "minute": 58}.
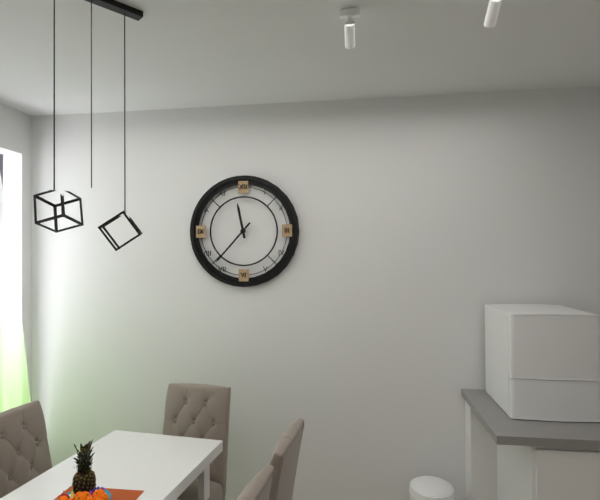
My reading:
{"hour": 11, "minute": 37}
